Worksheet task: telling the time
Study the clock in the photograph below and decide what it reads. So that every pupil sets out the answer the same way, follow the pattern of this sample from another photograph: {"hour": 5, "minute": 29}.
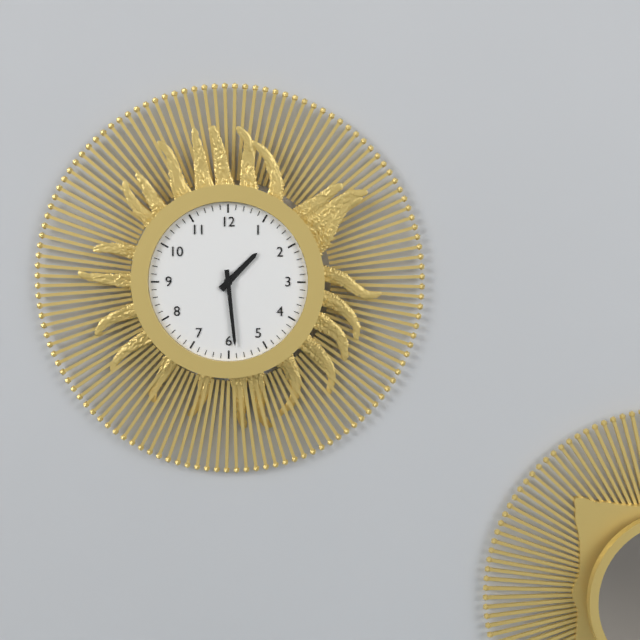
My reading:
{"hour": 1, "minute": 29}
